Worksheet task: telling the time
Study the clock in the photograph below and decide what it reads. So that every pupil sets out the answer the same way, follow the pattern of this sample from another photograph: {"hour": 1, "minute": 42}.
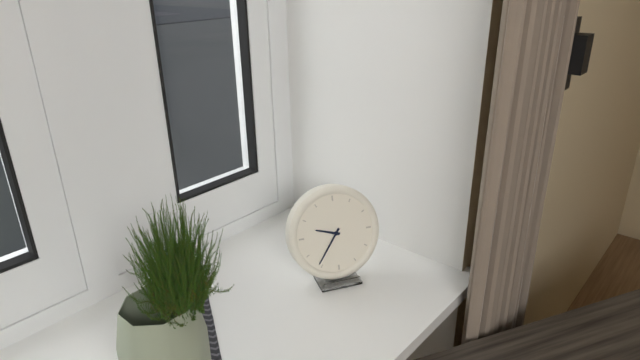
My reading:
{"hour": 9, "minute": 36}
